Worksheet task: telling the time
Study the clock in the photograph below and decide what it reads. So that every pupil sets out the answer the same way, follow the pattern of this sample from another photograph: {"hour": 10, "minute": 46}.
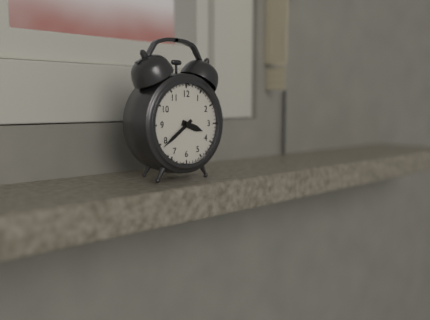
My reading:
{"hour": 3, "minute": 39}
